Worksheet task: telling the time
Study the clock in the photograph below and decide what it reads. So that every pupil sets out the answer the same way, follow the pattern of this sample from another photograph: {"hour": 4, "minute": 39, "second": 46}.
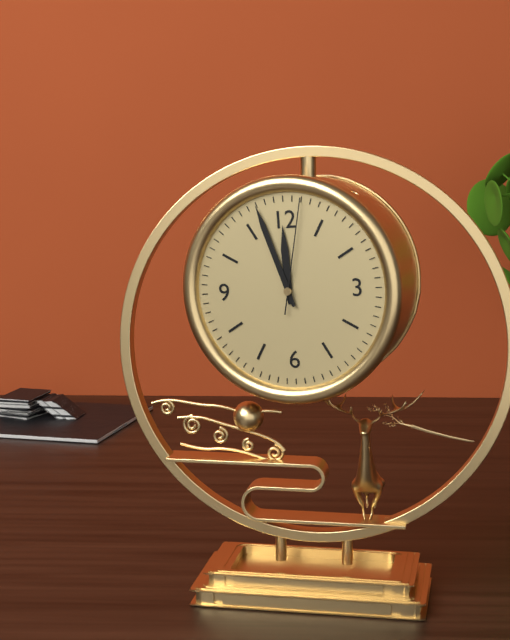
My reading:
{"hour": 11, "minute": 57, "second": 2}
